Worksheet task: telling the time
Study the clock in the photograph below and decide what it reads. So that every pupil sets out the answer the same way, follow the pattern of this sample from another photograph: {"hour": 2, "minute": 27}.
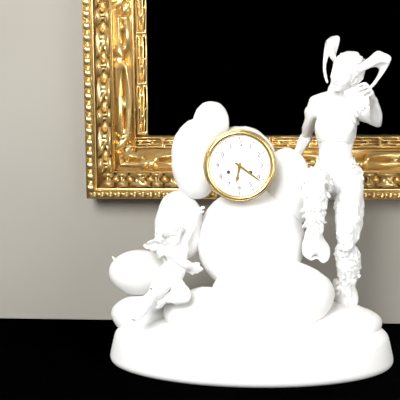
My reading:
{"hour": 6, "minute": 21}
